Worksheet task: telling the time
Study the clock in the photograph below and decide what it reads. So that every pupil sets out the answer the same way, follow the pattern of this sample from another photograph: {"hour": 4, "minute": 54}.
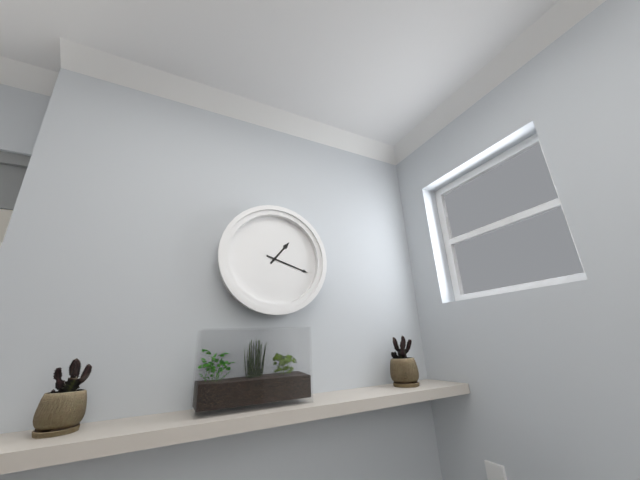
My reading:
{"hour": 1, "minute": 18}
